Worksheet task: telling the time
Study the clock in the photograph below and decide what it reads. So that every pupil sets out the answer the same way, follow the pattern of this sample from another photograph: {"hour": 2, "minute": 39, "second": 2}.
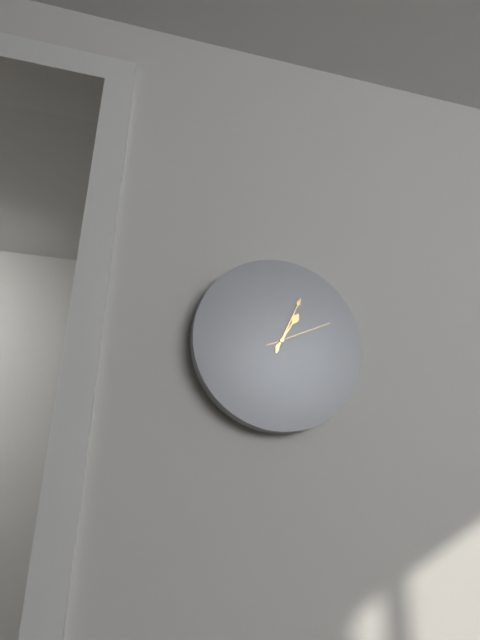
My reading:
{"hour": 1, "minute": 4, "second": 11}
